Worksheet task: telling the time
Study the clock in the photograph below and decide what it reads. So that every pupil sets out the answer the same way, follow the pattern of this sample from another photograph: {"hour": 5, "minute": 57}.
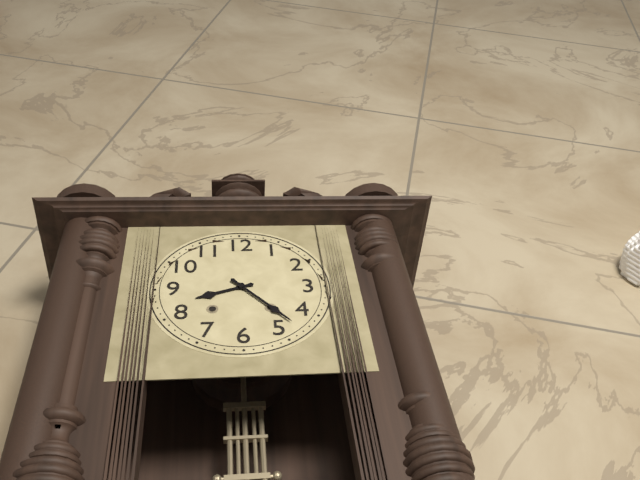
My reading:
{"hour": 8, "minute": 23}
